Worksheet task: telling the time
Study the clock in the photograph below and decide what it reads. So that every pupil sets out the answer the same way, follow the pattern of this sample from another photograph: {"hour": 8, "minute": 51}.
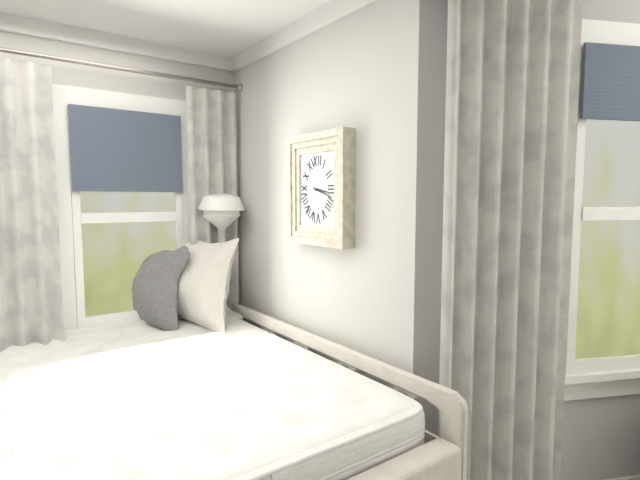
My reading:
{"hour": 3, "minute": 18}
